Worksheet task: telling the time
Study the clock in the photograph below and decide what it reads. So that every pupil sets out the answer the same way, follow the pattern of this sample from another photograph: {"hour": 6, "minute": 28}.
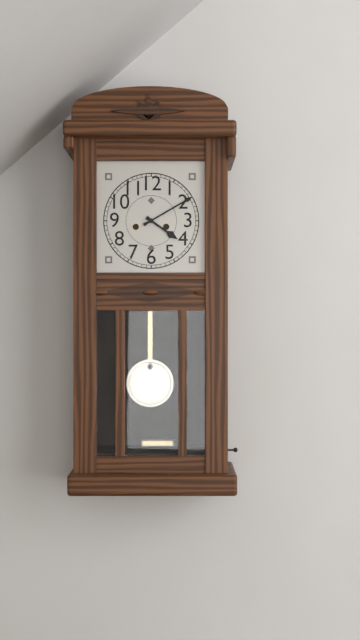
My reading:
{"hour": 4, "minute": 10}
